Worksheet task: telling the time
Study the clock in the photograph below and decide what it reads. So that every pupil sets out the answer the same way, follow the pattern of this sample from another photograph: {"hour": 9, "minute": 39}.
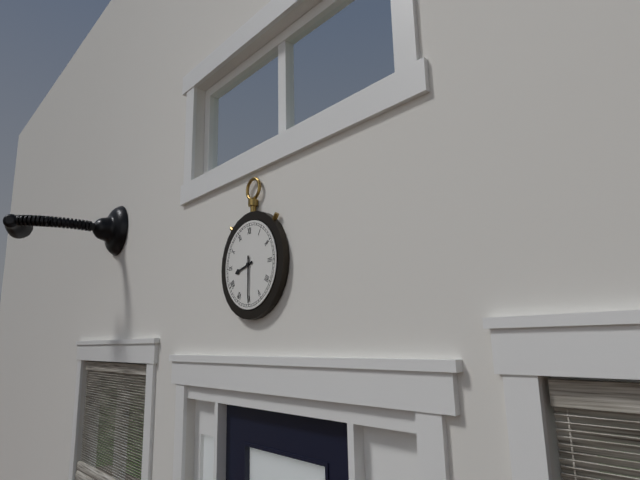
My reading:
{"hour": 8, "minute": 30}
